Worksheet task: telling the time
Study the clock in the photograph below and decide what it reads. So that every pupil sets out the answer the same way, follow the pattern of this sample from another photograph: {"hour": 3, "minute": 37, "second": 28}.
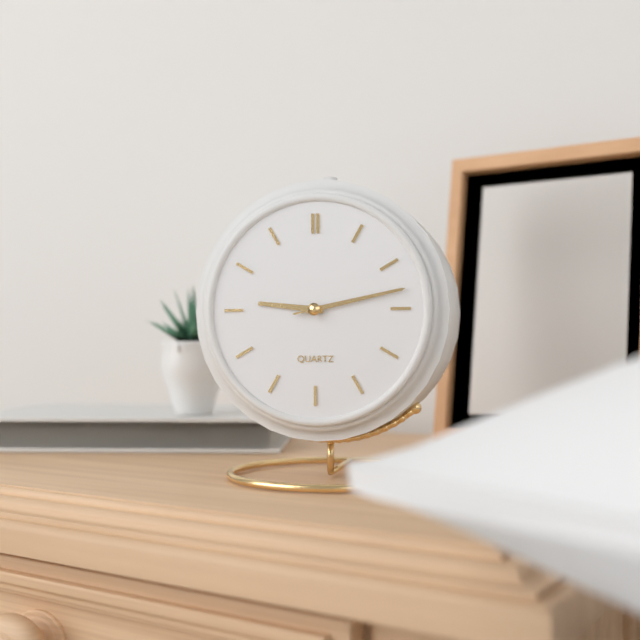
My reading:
{"hour": 9, "minute": 13, "second": 13}
